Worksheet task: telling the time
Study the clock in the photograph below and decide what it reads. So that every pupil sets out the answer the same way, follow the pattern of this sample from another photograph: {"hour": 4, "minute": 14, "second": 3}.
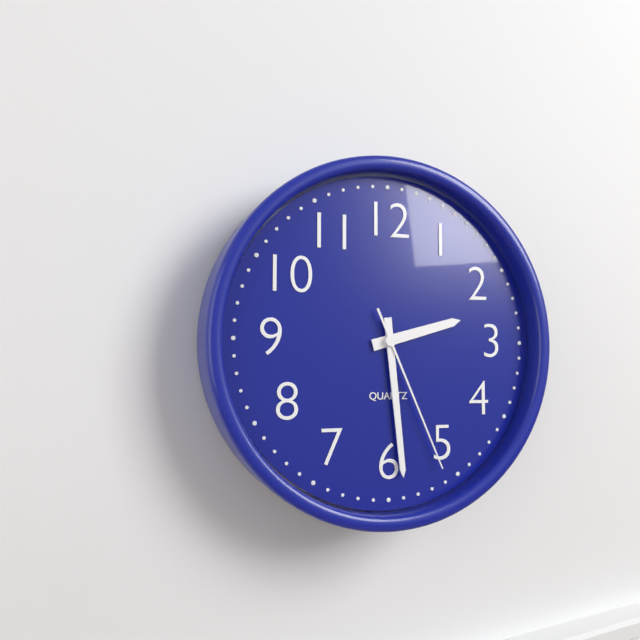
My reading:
{"hour": 2, "minute": 29, "second": 26}
